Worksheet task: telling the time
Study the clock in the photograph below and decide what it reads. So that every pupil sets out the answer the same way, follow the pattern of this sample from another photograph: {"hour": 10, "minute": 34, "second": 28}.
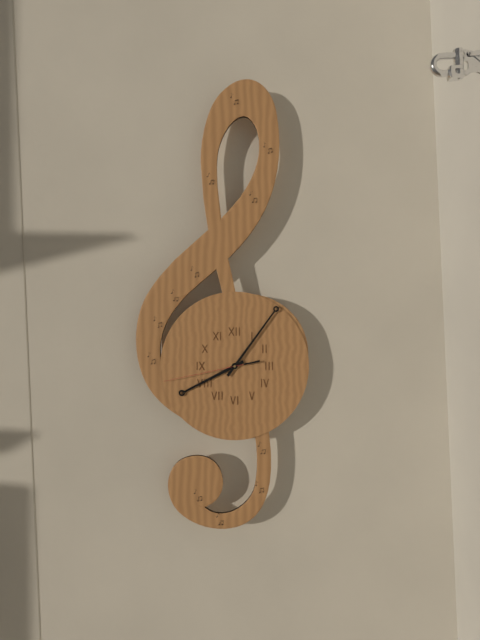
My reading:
{"hour": 8, "minute": 6, "second": 43}
